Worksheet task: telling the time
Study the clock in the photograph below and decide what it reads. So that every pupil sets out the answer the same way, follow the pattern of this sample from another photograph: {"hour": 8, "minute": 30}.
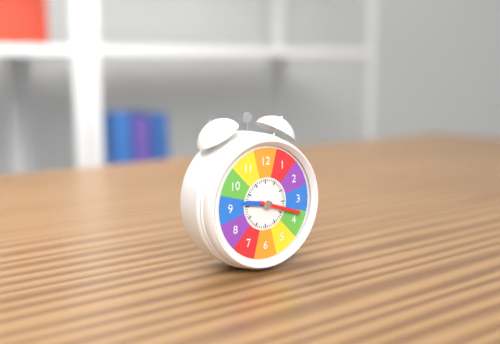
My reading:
{"hour": 9, "minute": 18}
